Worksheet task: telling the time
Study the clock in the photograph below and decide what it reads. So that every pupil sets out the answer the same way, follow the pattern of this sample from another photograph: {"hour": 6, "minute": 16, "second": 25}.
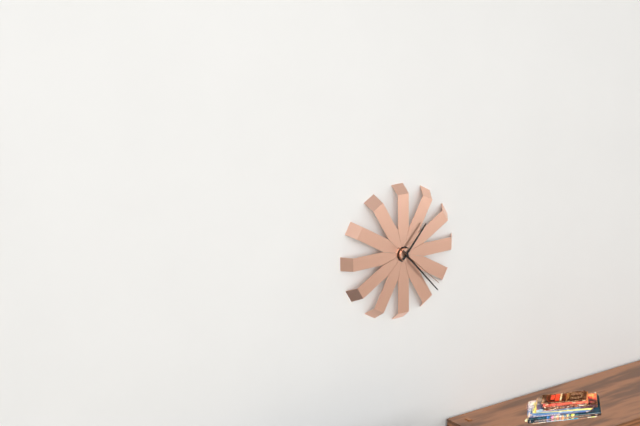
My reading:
{"hour": 1, "minute": 23, "second": 22}
